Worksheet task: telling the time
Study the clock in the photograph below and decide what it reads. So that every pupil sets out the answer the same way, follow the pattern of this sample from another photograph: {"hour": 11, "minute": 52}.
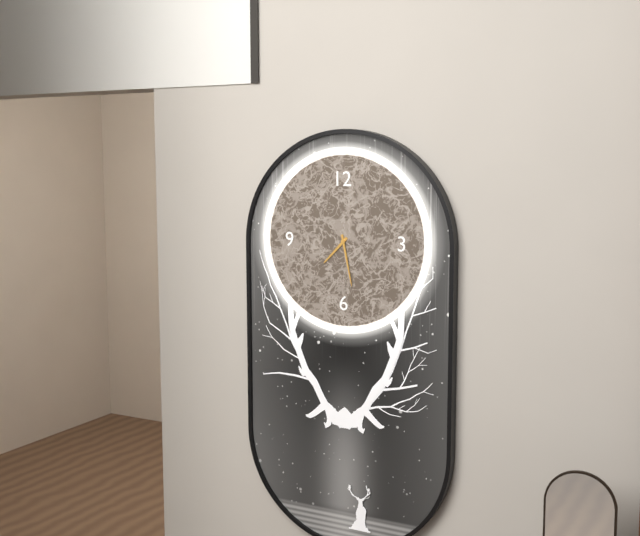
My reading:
{"hour": 7, "minute": 28}
